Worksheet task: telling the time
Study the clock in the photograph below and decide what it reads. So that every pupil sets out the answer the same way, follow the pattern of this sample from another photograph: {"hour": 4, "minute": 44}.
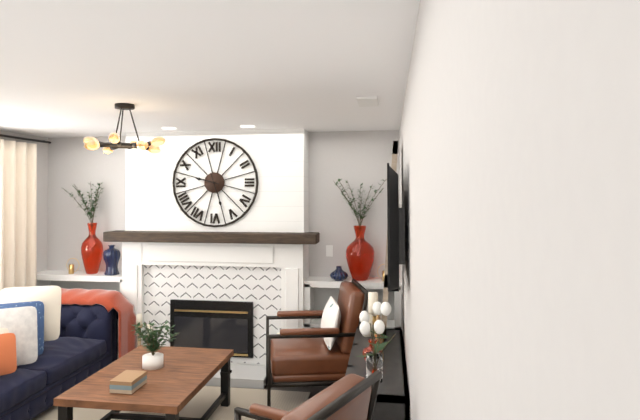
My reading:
{"hour": 9, "minute": 27}
